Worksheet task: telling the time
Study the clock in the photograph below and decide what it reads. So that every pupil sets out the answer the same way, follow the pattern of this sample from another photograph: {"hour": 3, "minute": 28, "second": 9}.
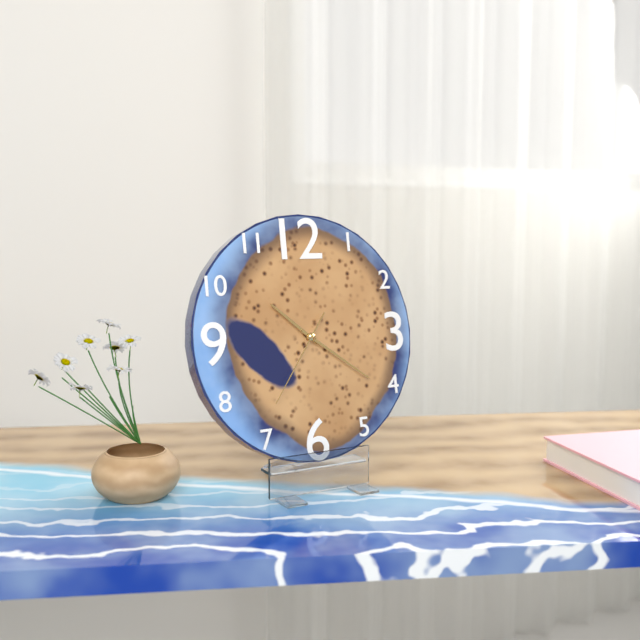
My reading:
{"hour": 10, "minute": 21, "second": 36}
